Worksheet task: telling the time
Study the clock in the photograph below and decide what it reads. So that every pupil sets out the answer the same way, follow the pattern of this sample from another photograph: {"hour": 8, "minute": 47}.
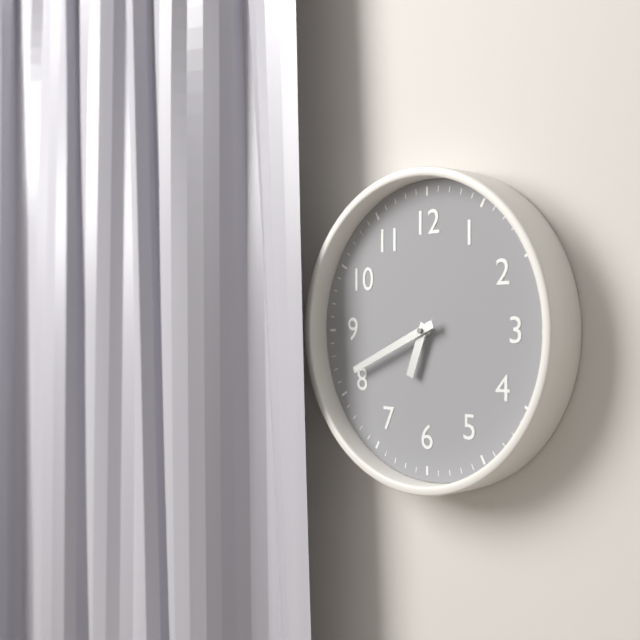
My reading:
{"hour": 6, "minute": 41}
